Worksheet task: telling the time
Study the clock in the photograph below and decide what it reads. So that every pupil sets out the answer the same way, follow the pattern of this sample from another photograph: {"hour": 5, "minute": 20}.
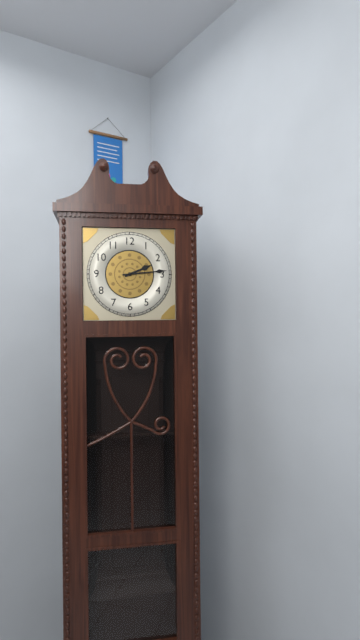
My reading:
{"hour": 2, "minute": 14}
